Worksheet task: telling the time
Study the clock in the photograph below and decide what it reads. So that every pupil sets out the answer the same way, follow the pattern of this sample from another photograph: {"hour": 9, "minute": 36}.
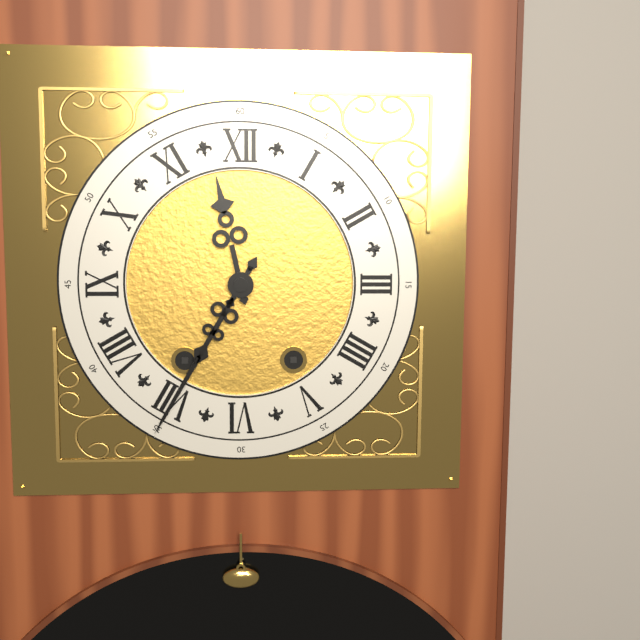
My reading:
{"hour": 11, "minute": 35}
